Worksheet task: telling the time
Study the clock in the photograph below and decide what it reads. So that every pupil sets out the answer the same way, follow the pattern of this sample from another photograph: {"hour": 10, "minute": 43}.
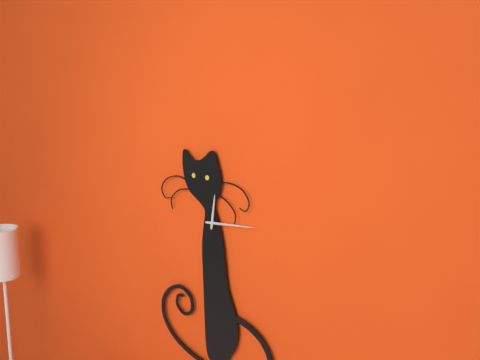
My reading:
{"hour": 12, "minute": 14}
